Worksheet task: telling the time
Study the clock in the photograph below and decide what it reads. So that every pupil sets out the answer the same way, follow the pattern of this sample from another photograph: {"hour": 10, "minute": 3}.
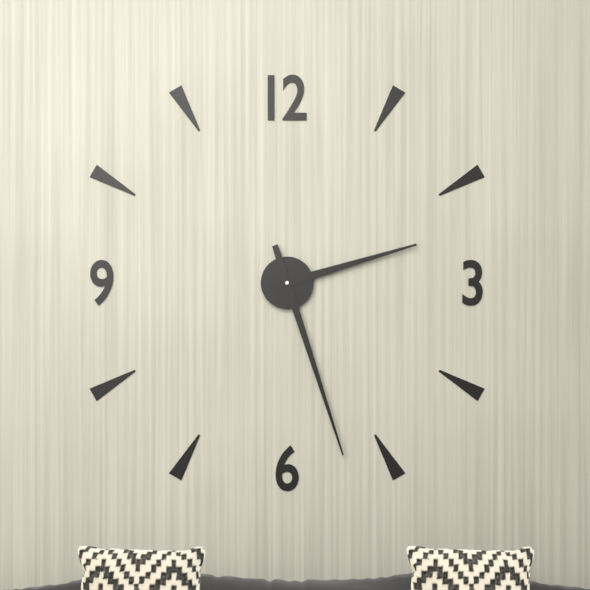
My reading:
{"hour": 2, "minute": 27}
